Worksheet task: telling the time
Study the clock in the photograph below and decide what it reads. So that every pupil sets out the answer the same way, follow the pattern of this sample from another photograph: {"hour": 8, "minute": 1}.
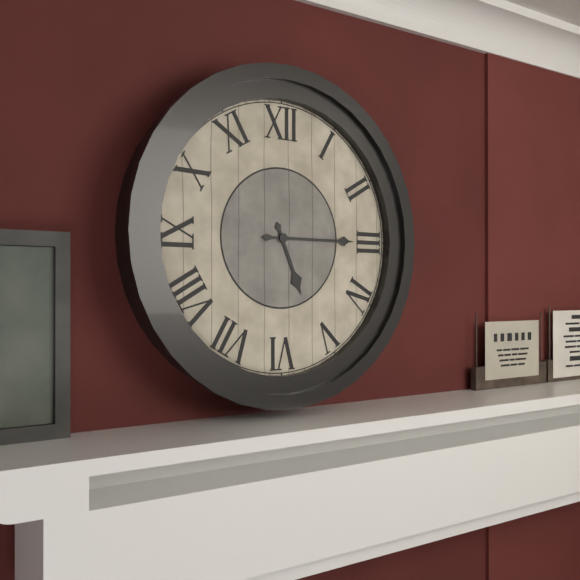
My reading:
{"hour": 5, "minute": 15}
